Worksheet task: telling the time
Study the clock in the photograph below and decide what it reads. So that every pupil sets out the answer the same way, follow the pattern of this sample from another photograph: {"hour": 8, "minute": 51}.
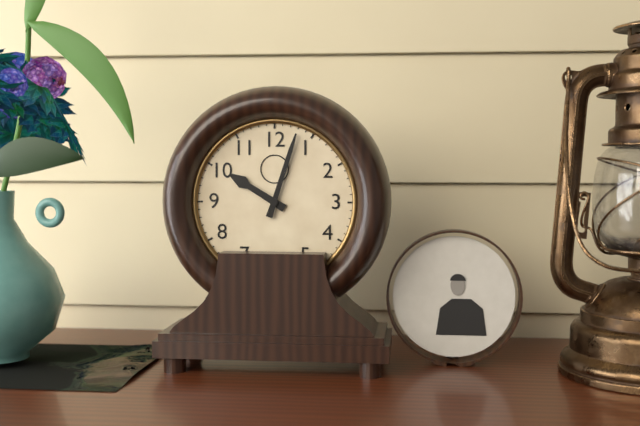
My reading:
{"hour": 10, "minute": 3}
